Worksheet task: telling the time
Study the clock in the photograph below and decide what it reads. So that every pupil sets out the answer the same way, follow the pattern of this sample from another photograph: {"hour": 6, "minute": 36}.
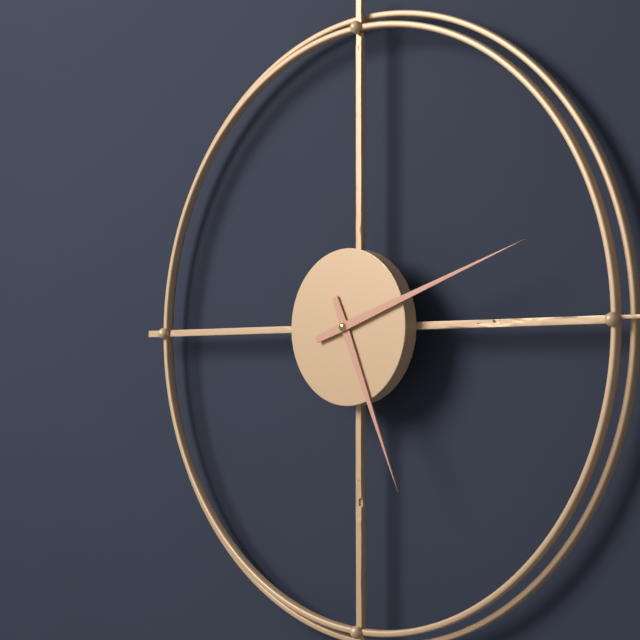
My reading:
{"hour": 5, "minute": 12}
